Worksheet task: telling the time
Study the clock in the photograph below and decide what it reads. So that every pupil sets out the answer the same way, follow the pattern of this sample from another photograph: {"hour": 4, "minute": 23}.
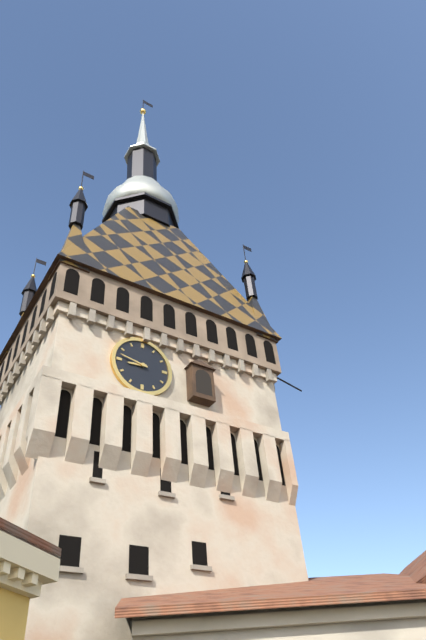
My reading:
{"hour": 8, "minute": 47}
